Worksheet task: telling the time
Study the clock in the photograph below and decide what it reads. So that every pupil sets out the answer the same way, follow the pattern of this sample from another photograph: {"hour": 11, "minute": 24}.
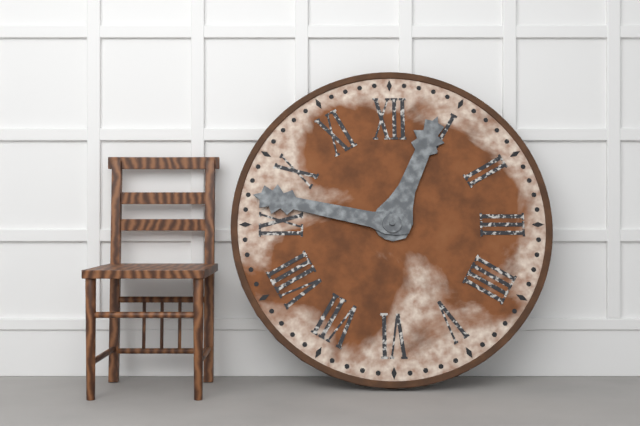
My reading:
{"hour": 12, "minute": 47}
